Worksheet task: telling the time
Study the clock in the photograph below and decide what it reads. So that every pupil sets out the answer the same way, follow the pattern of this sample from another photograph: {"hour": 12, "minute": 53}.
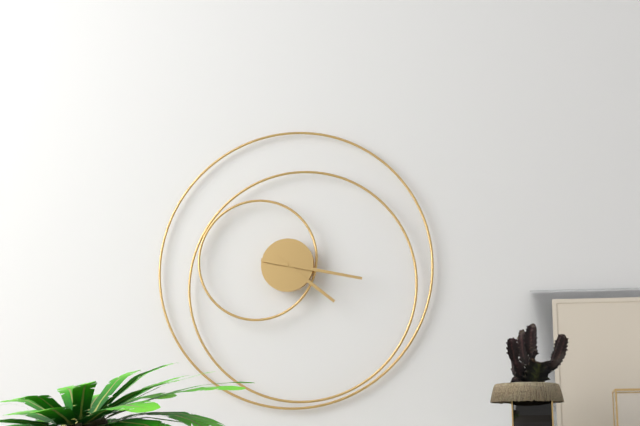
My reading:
{"hour": 4, "minute": 17}
